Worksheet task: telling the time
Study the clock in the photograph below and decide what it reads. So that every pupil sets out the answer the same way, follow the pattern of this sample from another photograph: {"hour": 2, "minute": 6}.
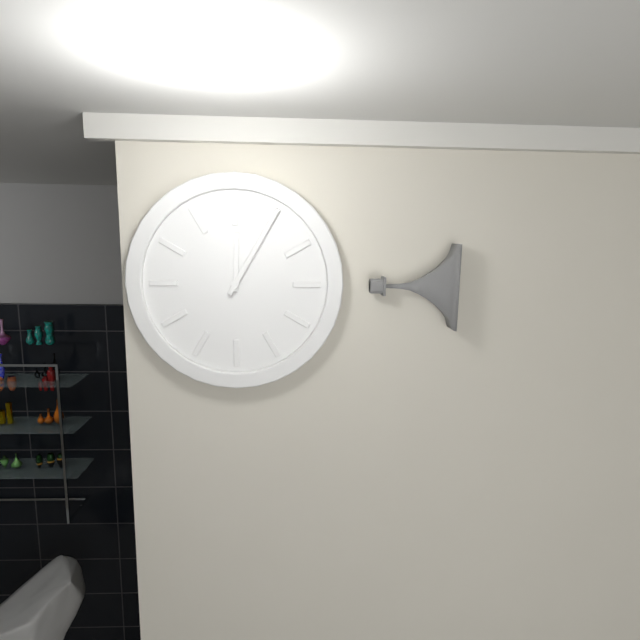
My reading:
{"hour": 12, "minute": 5}
